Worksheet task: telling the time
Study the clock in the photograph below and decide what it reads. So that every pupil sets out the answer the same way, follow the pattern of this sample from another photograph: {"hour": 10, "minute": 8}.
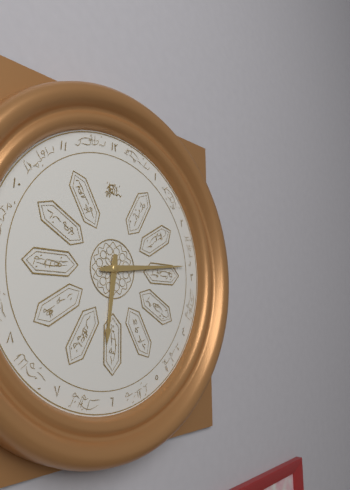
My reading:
{"hour": 6, "minute": 14}
